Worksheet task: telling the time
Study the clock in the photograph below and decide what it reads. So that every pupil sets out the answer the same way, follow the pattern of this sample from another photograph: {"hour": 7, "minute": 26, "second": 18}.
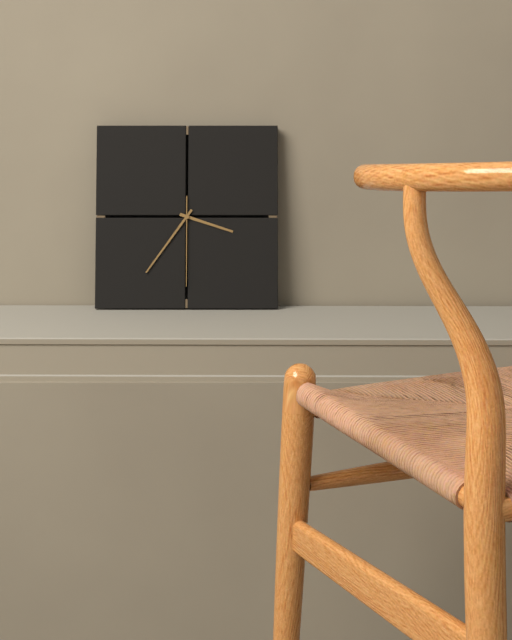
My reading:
{"hour": 3, "minute": 36, "second": 30}
